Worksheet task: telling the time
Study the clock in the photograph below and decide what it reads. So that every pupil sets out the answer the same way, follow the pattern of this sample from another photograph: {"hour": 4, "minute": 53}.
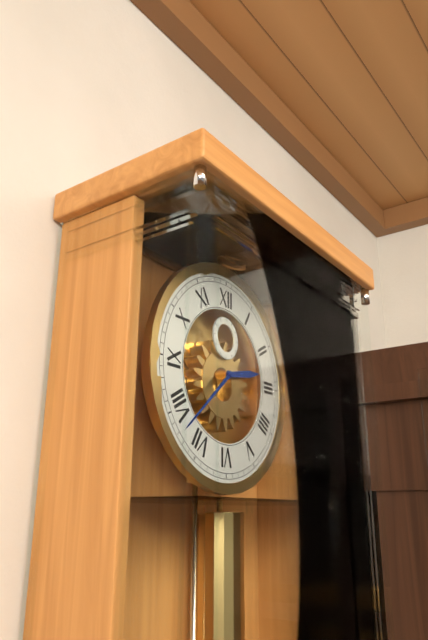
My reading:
{"hour": 2, "minute": 38}
